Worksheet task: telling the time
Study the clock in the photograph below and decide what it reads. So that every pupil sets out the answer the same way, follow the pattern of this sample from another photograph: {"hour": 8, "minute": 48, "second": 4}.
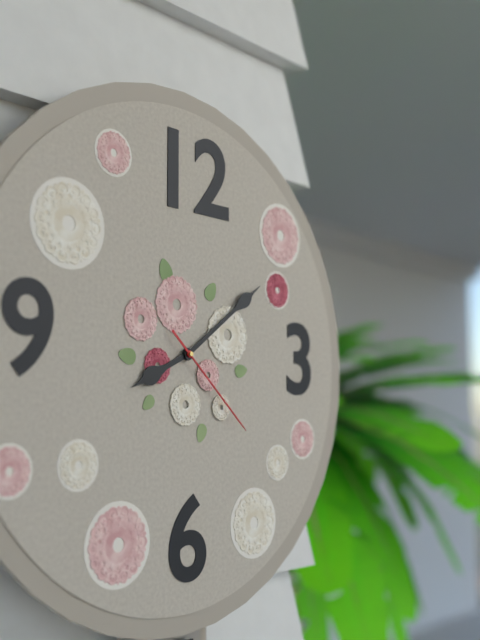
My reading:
{"hour": 8, "minute": 9, "second": 22}
